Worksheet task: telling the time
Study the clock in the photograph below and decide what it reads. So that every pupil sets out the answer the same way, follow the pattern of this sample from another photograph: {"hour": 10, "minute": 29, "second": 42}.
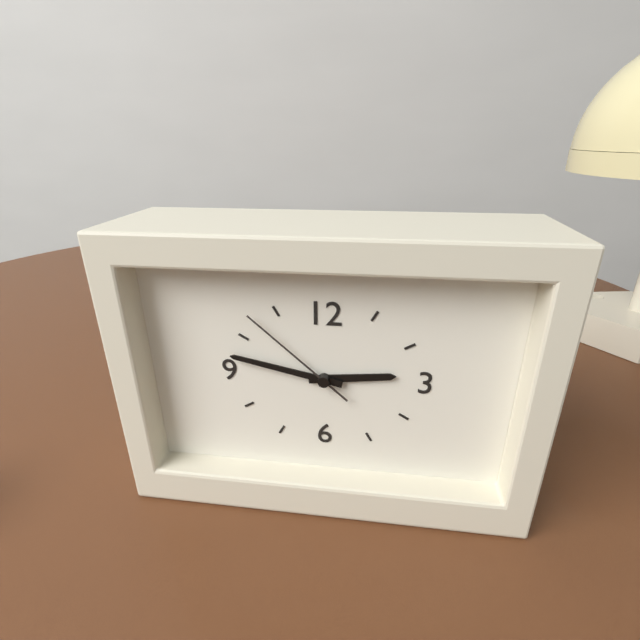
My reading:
{"hour": 2, "minute": 47, "second": 52}
